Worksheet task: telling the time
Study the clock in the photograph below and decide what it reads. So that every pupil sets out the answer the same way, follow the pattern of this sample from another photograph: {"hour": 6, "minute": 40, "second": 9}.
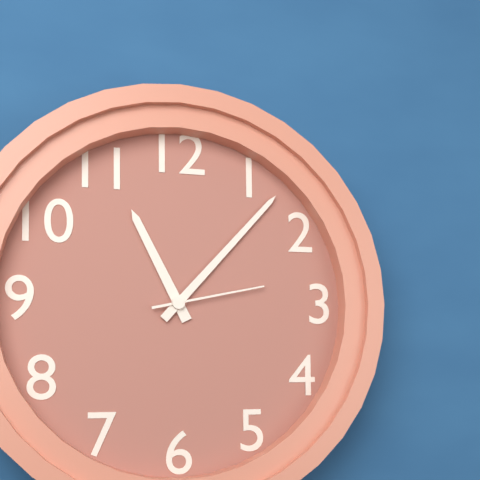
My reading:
{"hour": 11, "minute": 7, "second": 13}
